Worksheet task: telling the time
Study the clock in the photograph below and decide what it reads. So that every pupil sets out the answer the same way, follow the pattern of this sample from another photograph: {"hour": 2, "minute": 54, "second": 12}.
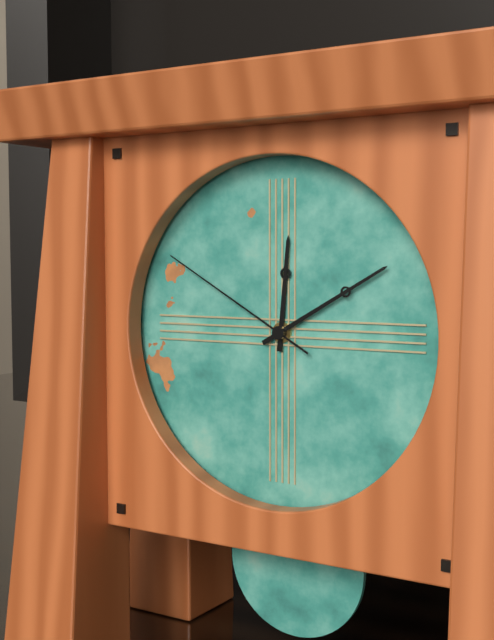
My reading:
{"hour": 12, "minute": 10, "second": 50}
